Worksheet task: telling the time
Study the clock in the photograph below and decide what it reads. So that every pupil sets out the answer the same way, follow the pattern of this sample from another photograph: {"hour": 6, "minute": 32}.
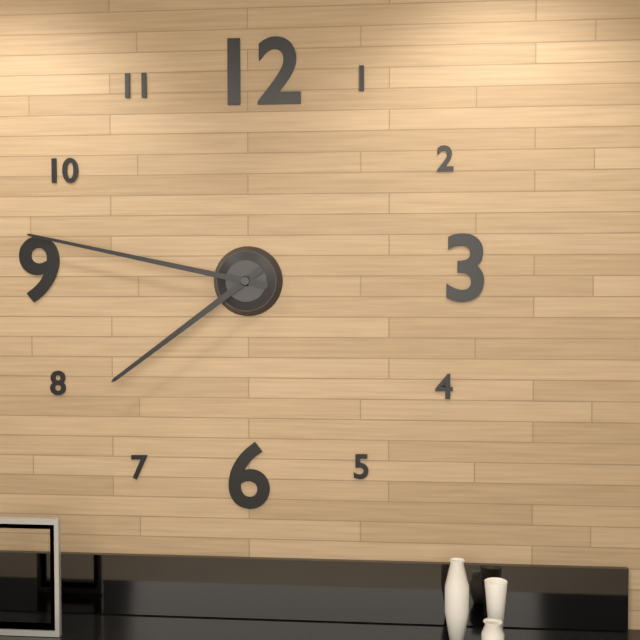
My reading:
{"hour": 7, "minute": 47}
